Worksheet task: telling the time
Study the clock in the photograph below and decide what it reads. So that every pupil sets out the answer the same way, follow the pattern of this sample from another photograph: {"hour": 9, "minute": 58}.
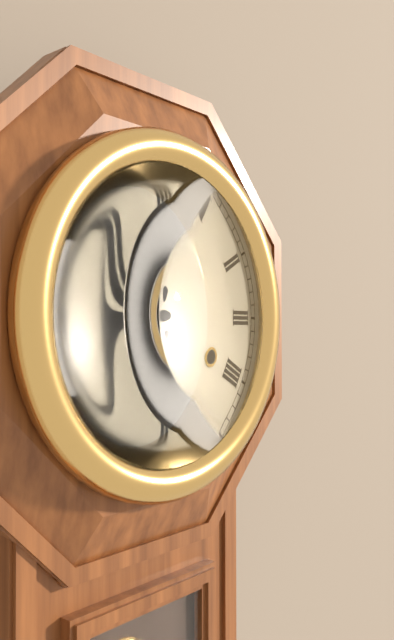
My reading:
{"hour": 11, "minute": 30}
